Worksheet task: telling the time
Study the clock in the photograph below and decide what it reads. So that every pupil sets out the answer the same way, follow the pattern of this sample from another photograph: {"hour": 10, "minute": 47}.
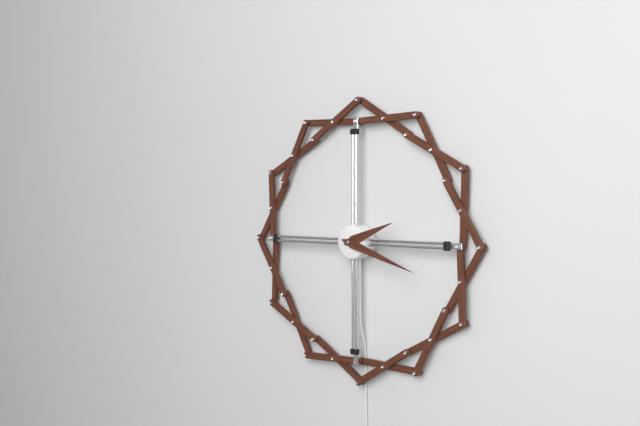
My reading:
{"hour": 2, "minute": 18}
